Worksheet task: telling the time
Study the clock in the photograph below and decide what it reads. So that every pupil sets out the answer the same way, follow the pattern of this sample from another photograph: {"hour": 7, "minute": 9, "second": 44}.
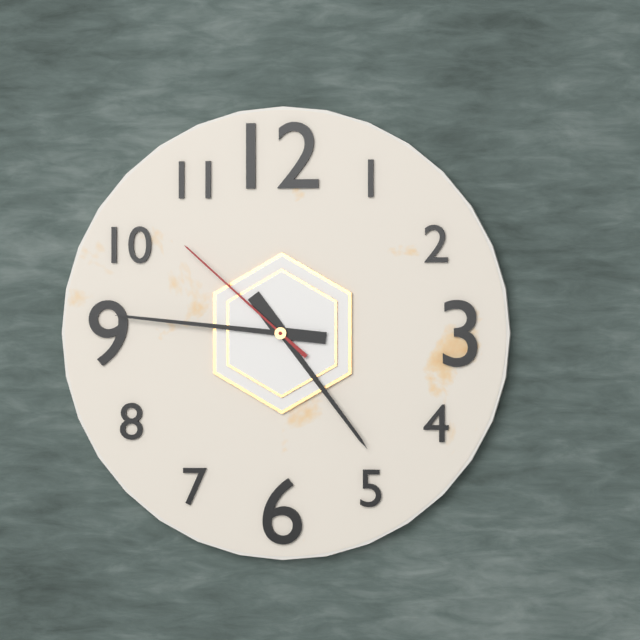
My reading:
{"hour": 4, "minute": 46, "second": 52}
